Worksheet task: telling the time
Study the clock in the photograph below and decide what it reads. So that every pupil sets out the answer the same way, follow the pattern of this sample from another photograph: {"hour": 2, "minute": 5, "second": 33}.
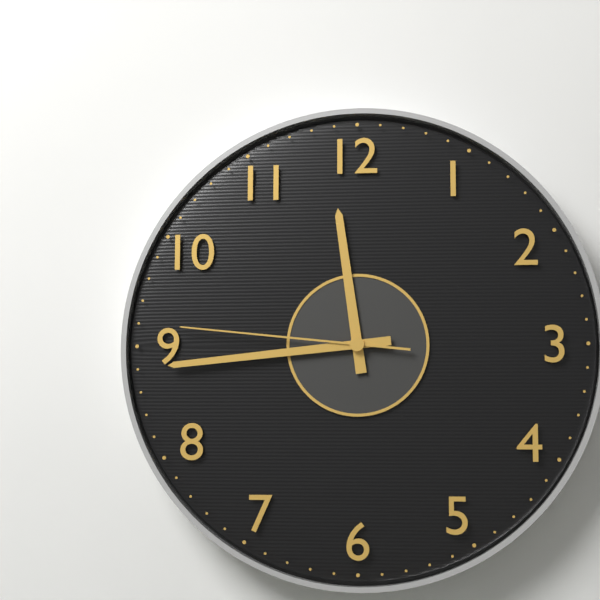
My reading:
{"hour": 11, "minute": 44, "second": 46}
